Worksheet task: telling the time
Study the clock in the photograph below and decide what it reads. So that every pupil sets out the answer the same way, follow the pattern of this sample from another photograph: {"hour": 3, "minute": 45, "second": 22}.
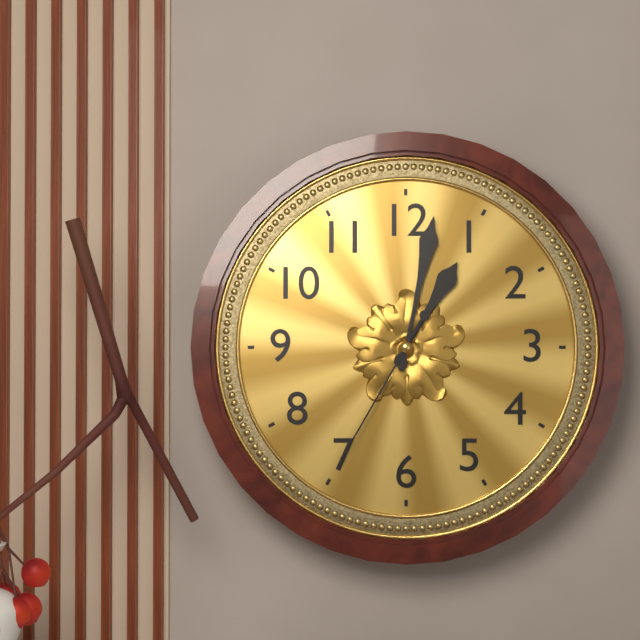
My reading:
{"hour": 1, "minute": 2, "second": 35}
